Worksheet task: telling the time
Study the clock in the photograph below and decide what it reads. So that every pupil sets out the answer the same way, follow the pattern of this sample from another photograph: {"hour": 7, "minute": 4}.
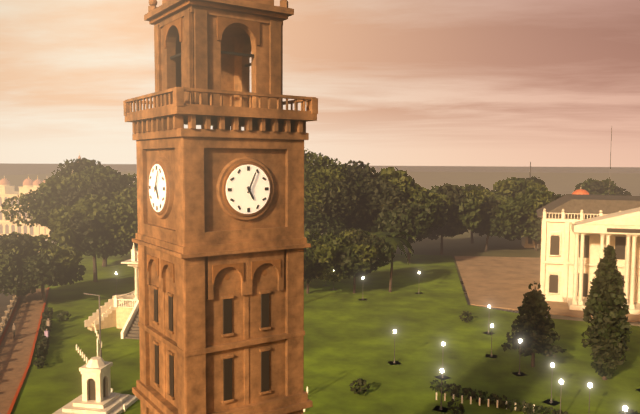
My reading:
{"hour": 5, "minute": 4}
